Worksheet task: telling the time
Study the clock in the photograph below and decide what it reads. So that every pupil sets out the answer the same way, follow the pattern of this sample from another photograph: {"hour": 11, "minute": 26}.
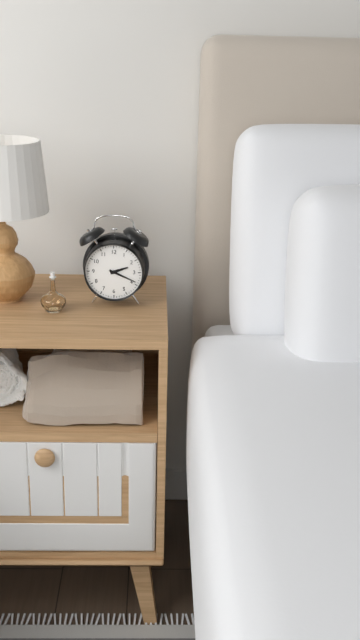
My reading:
{"hour": 2, "minute": 19}
